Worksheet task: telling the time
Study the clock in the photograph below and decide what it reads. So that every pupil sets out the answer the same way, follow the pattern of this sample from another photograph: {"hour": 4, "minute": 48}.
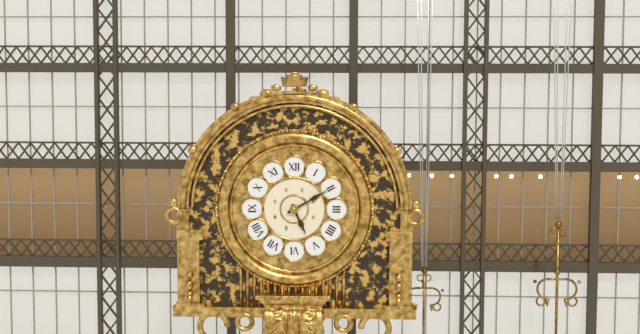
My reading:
{"hour": 5, "minute": 10}
